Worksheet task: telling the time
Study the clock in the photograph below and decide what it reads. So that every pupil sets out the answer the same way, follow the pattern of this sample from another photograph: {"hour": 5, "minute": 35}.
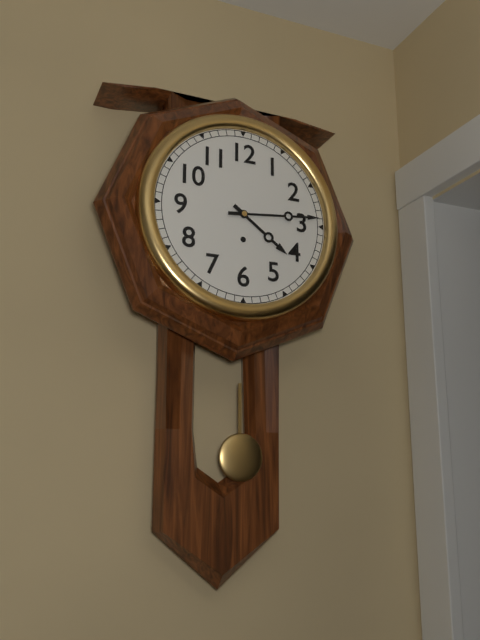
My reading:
{"hour": 4, "minute": 14}
